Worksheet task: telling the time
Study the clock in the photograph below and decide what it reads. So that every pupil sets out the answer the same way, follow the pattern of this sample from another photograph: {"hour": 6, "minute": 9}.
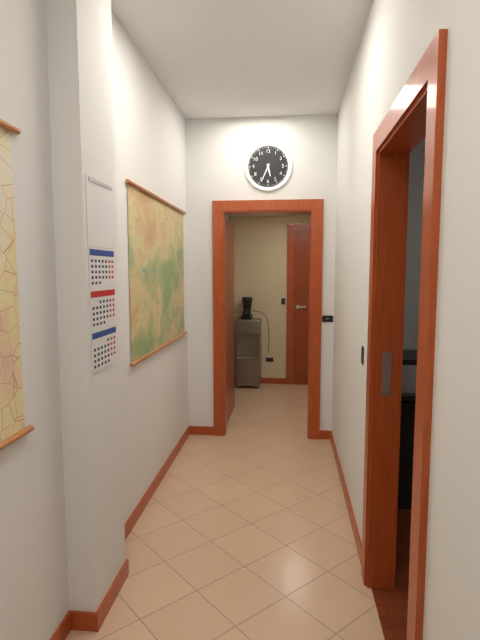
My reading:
{"hour": 5, "minute": 34}
